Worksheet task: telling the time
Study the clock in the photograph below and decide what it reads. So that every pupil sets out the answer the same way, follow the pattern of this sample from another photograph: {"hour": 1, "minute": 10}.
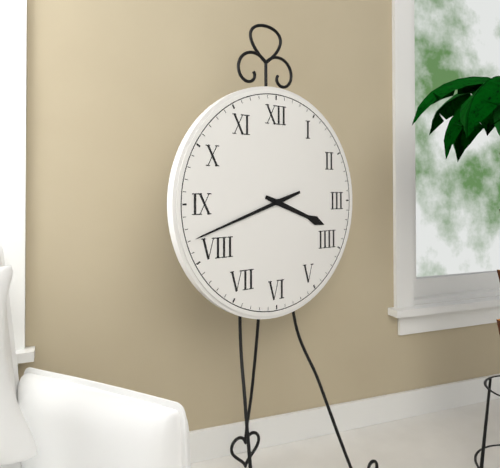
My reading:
{"hour": 3, "minute": 42}
